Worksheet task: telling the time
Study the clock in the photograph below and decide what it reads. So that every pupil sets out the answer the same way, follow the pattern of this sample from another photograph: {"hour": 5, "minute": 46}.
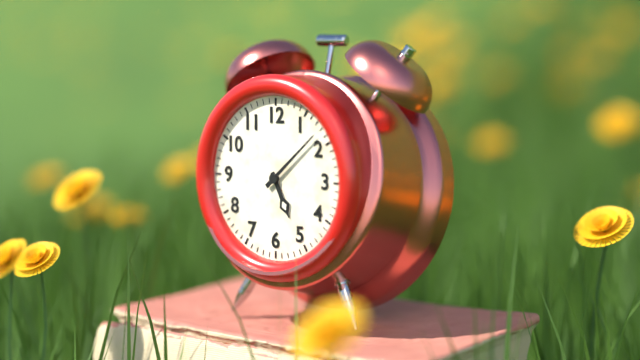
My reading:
{"hour": 5, "minute": 8}
